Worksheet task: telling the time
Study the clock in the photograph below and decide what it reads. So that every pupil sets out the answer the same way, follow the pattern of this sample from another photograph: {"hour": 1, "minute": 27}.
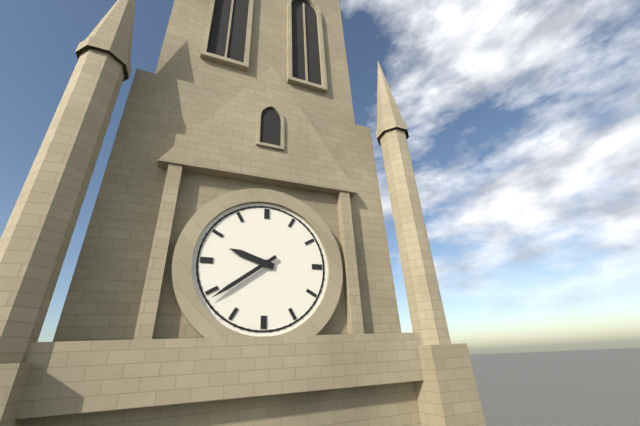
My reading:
{"hour": 9, "minute": 39}
